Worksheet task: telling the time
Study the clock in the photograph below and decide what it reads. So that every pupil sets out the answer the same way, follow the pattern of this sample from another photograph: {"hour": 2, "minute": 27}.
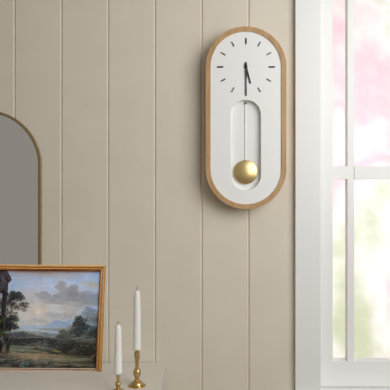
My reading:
{"hour": 5, "minute": 30}
